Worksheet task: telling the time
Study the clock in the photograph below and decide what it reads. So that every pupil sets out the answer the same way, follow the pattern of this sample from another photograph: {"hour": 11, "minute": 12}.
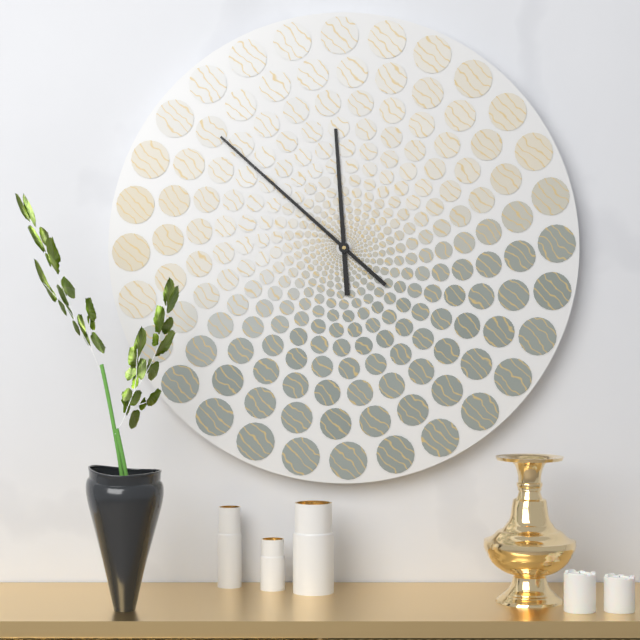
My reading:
{"hour": 11, "minute": 52}
